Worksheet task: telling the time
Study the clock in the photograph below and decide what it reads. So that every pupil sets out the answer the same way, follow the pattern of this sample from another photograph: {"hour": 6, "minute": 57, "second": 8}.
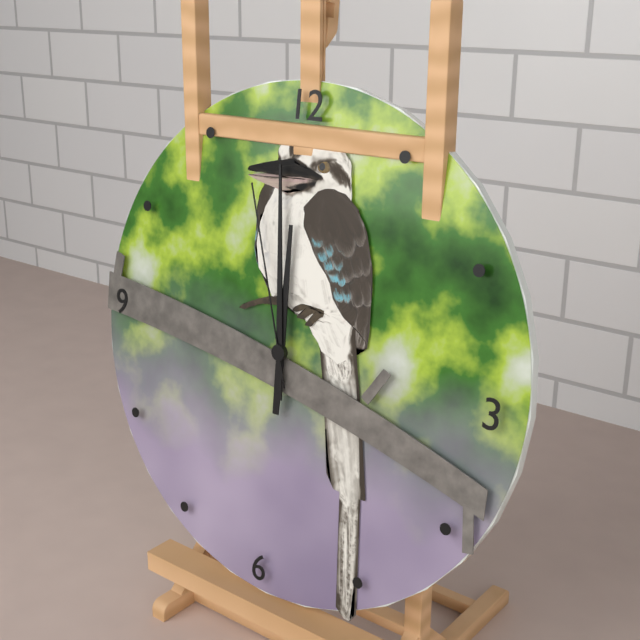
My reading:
{"hour": 11, "minute": 59, "second": 57}
